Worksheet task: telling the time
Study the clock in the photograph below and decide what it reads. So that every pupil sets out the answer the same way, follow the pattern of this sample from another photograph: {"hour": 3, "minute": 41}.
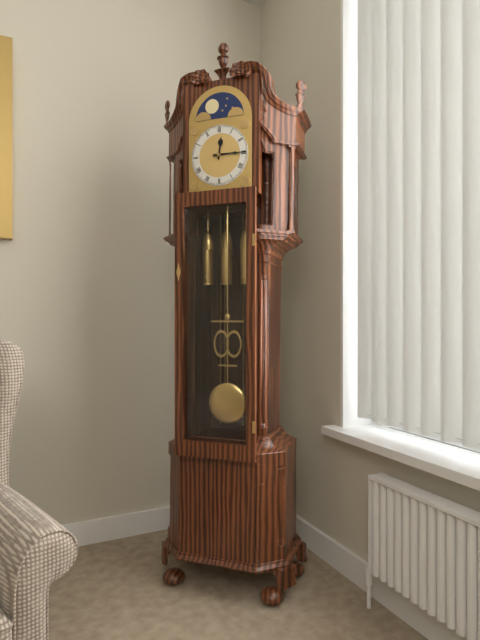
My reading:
{"hour": 12, "minute": 15}
